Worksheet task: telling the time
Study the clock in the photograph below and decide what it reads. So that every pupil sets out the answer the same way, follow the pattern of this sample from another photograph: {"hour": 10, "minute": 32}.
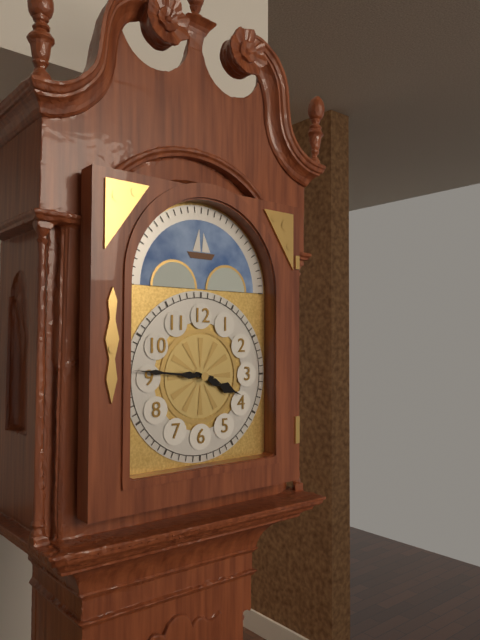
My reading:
{"hour": 3, "minute": 46}
